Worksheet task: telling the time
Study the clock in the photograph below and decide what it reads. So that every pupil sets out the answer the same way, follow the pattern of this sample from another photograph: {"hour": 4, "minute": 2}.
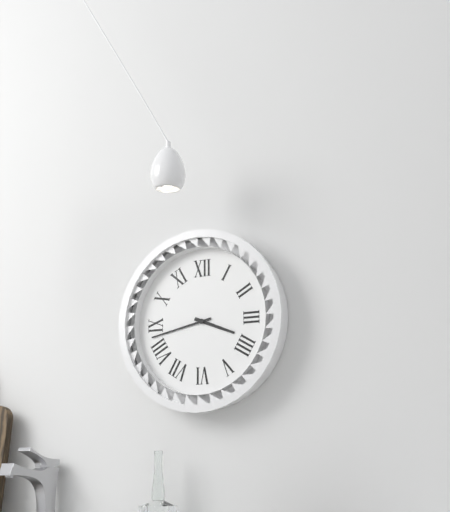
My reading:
{"hour": 3, "minute": 43}
